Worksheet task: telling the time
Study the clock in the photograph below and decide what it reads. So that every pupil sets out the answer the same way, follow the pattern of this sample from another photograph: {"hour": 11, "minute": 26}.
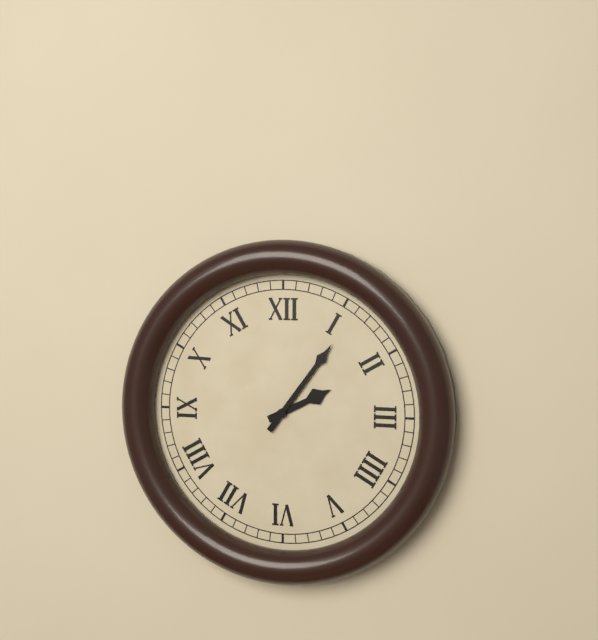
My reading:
{"hour": 2, "minute": 6}
